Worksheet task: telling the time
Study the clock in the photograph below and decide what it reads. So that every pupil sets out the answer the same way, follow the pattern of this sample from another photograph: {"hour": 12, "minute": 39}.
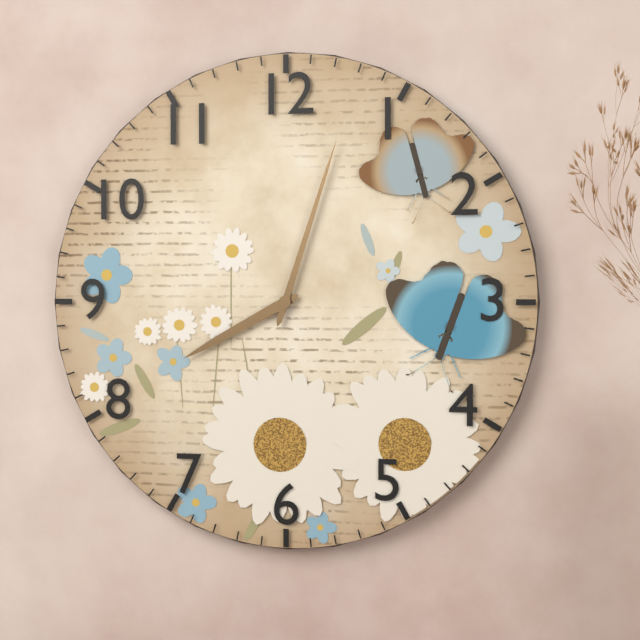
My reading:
{"hour": 8, "minute": 3}
